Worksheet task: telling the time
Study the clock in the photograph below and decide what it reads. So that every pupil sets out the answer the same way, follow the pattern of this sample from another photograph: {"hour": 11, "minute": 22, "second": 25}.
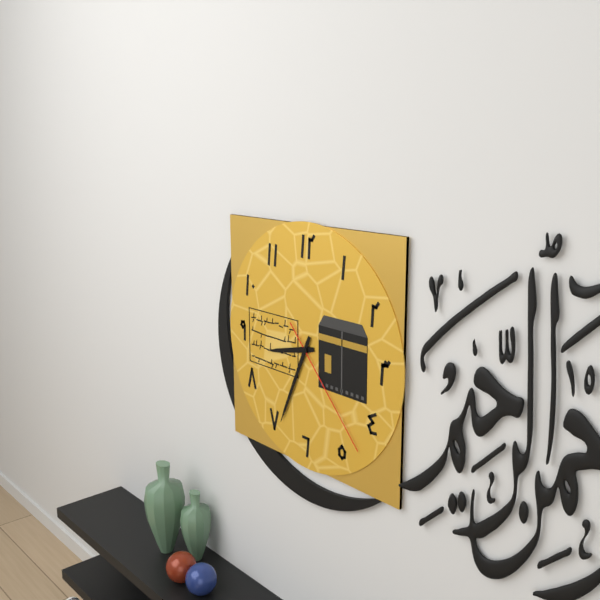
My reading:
{"hour": 8, "minute": 34, "second": 23}
